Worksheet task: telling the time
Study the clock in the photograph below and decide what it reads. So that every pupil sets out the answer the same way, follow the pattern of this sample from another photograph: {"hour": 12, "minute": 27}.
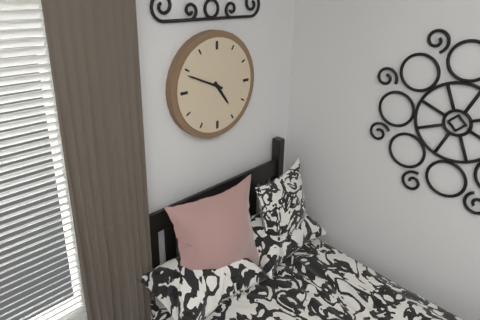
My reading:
{"hour": 4, "minute": 49}
